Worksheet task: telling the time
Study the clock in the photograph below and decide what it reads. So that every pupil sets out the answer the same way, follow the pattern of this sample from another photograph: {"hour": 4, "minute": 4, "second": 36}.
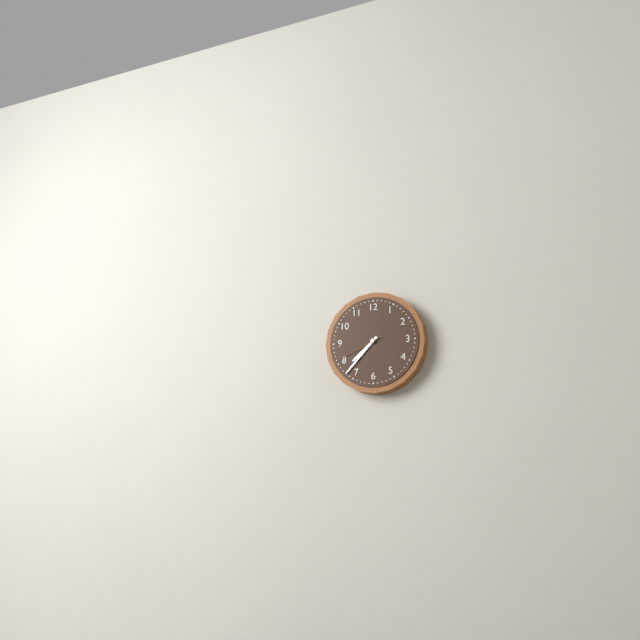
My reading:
{"hour": 7, "minute": 37, "second": 41}
